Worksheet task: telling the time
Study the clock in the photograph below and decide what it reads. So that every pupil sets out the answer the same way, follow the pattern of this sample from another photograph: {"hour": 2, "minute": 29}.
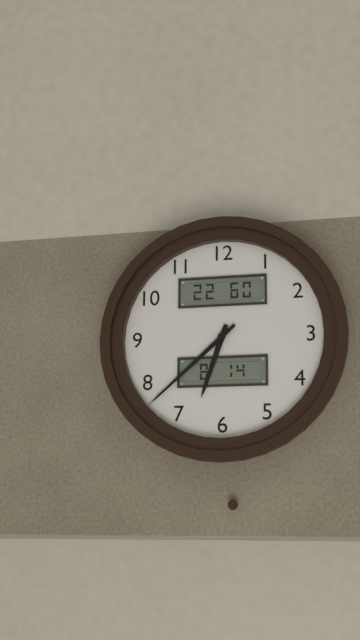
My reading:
{"hour": 6, "minute": 38}
